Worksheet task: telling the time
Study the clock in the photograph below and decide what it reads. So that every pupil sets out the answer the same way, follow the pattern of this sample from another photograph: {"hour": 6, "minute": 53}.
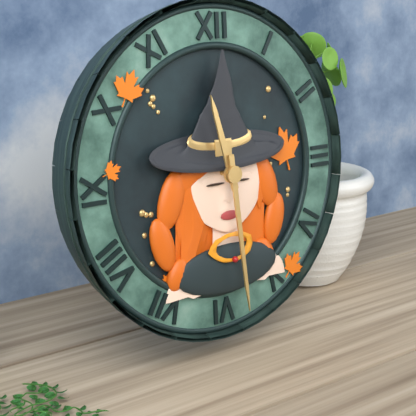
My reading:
{"hour": 11, "minute": 29}
